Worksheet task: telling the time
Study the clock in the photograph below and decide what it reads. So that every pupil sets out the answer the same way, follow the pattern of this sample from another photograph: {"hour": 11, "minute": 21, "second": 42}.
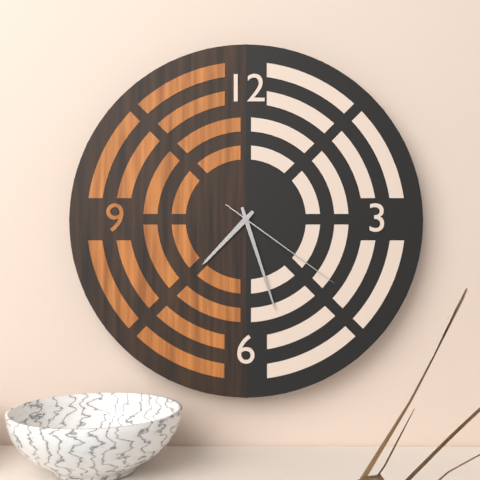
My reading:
{"hour": 7, "minute": 27, "second": 21}
